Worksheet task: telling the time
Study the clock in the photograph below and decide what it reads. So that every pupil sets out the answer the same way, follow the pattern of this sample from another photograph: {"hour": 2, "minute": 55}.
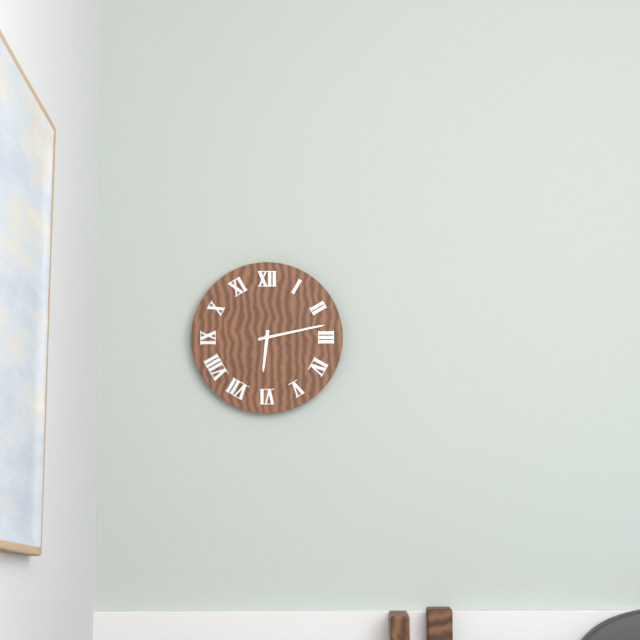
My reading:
{"hour": 6, "minute": 13}
